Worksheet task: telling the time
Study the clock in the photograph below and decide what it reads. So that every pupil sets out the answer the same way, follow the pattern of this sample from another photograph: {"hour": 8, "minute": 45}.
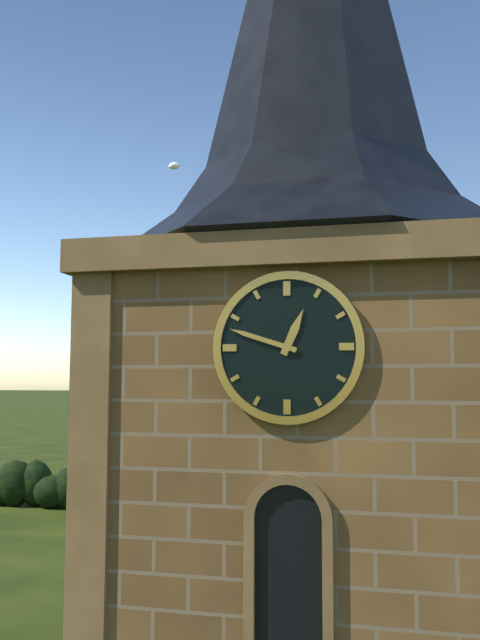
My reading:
{"hour": 12, "minute": 48}
